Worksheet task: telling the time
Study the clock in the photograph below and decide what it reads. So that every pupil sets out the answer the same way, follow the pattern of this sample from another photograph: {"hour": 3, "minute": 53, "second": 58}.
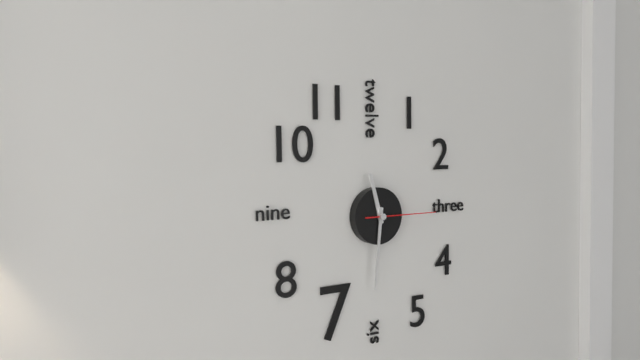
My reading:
{"hour": 11, "minute": 31, "second": 15}
